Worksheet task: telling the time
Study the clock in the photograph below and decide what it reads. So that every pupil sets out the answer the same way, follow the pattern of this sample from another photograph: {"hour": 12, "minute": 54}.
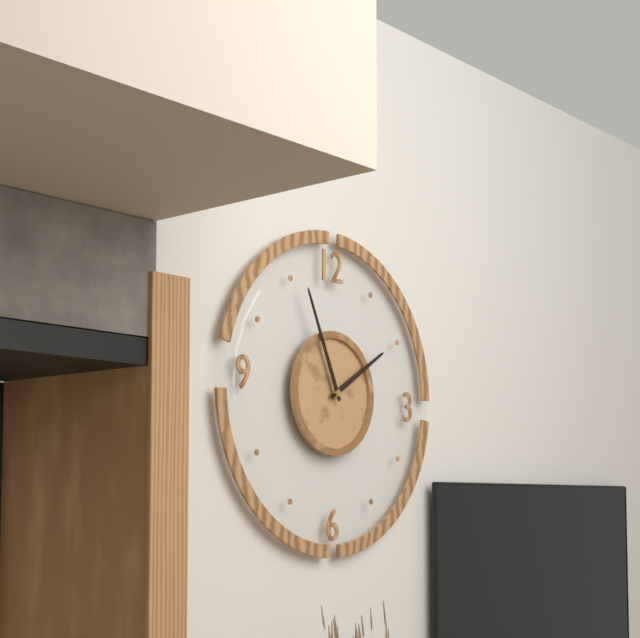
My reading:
{"hour": 1, "minute": 56}
